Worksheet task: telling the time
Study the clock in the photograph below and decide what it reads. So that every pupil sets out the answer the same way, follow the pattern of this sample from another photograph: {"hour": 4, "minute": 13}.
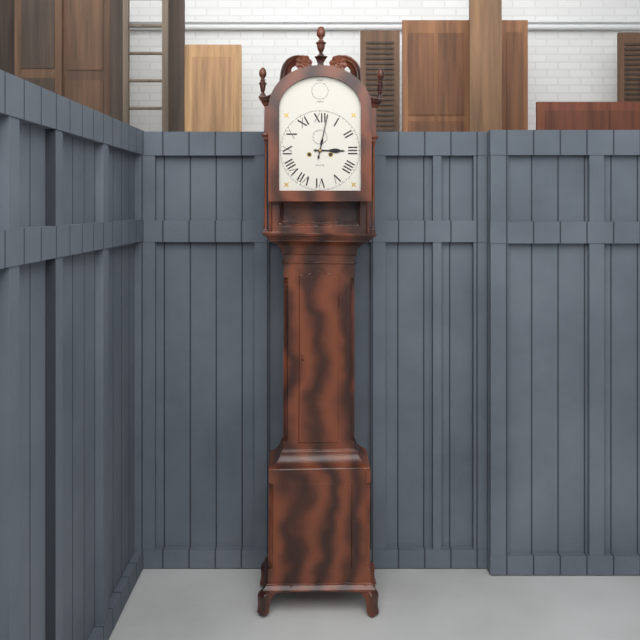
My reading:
{"hour": 3, "minute": 2}
